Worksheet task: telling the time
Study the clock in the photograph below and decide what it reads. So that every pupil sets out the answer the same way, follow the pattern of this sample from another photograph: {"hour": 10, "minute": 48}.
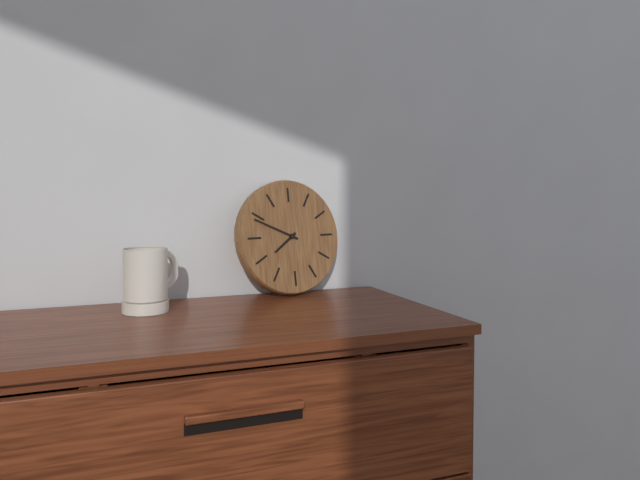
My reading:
{"hour": 7, "minute": 49}
